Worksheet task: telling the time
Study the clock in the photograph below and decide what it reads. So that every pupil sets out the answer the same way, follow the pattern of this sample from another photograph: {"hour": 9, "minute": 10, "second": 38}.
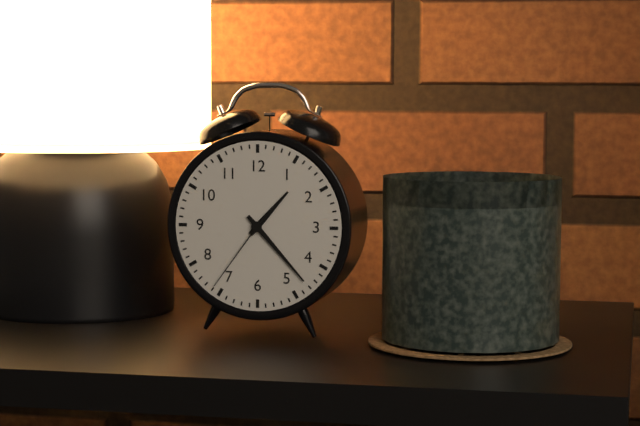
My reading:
{"hour": 1, "minute": 23, "second": 36}
